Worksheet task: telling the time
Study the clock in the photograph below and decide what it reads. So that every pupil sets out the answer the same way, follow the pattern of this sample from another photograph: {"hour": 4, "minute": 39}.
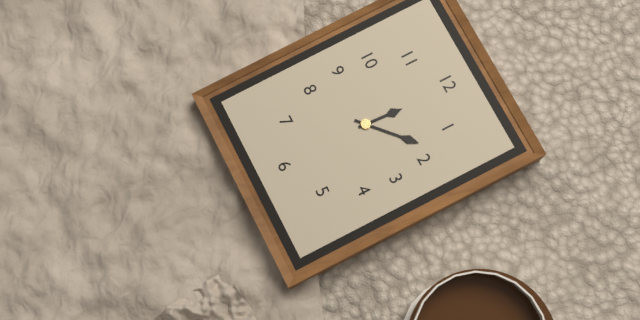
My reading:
{"hour": 12, "minute": 8}
